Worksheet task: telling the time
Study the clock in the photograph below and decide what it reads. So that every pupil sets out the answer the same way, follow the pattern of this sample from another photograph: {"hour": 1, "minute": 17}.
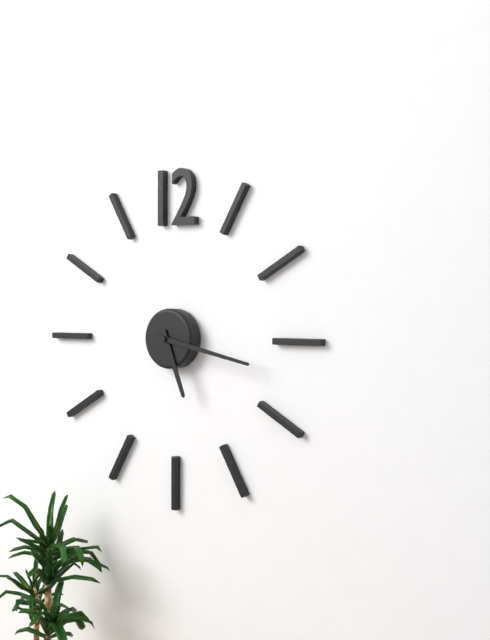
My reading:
{"hour": 5, "minute": 17}
